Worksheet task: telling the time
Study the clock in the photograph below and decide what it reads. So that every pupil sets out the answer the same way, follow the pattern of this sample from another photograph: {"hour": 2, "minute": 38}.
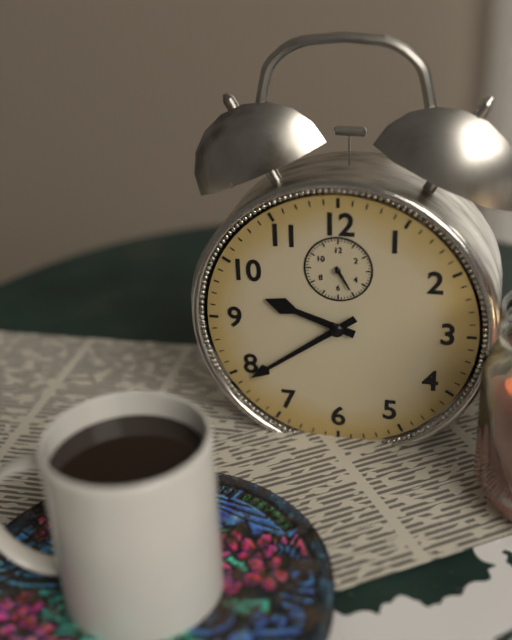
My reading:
{"hour": 9, "minute": 39}
